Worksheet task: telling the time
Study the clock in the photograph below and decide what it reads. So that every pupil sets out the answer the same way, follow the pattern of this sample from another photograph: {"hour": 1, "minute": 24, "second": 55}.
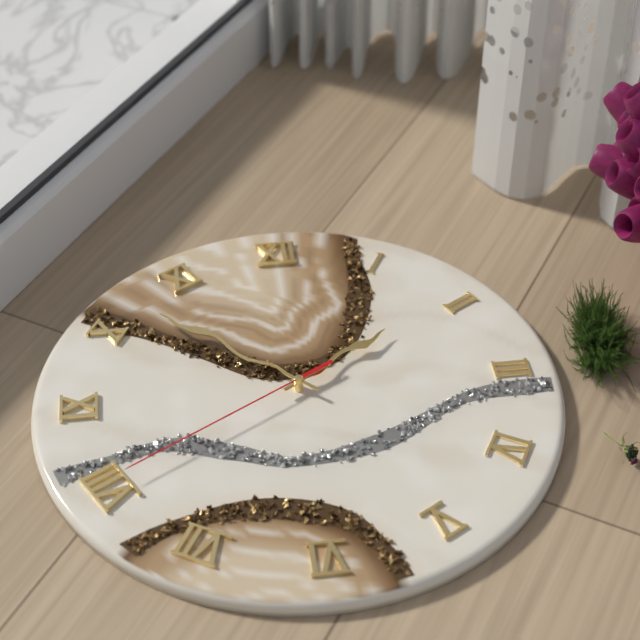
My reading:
{"hour": 1, "minute": 52, "second": 40}
